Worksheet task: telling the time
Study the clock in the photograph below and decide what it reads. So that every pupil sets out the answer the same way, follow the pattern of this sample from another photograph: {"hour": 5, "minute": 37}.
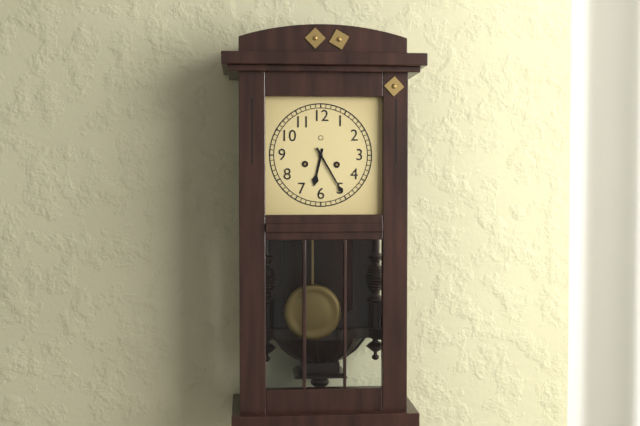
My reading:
{"hour": 6, "minute": 25}
